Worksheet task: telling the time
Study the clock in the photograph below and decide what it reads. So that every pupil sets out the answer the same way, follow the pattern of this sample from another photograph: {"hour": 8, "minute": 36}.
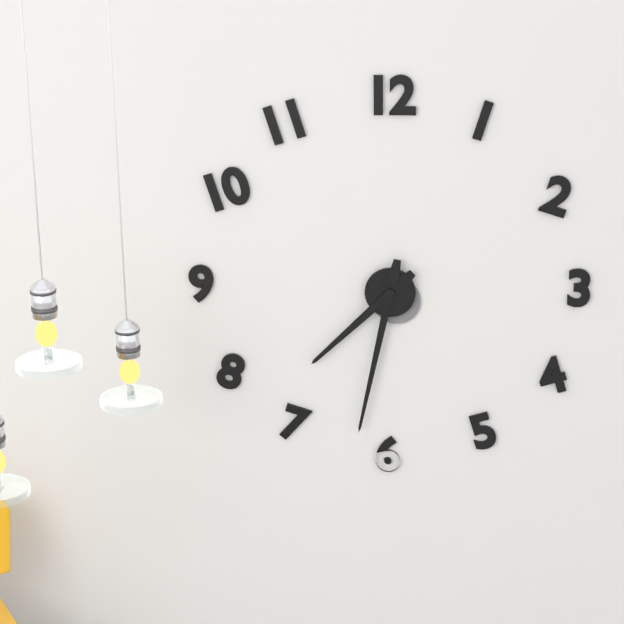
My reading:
{"hour": 7, "minute": 32}
